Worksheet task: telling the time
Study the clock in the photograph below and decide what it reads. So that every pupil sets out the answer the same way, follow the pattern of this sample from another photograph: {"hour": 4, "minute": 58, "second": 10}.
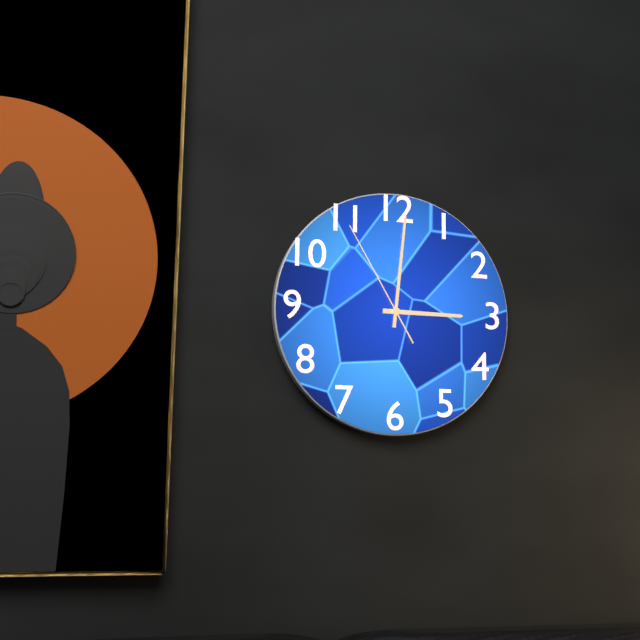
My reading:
{"hour": 3, "minute": 1, "second": 55}
